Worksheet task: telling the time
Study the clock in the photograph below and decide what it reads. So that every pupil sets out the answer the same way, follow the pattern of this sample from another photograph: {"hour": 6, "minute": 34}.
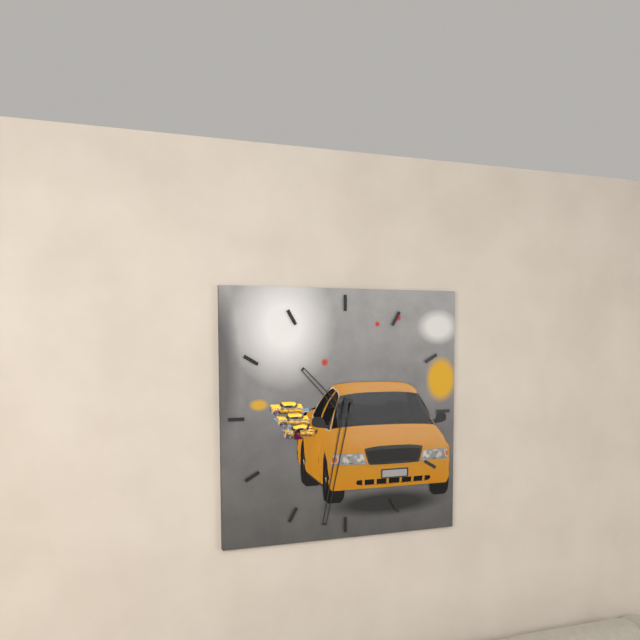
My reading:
{"hour": 10, "minute": 32}
